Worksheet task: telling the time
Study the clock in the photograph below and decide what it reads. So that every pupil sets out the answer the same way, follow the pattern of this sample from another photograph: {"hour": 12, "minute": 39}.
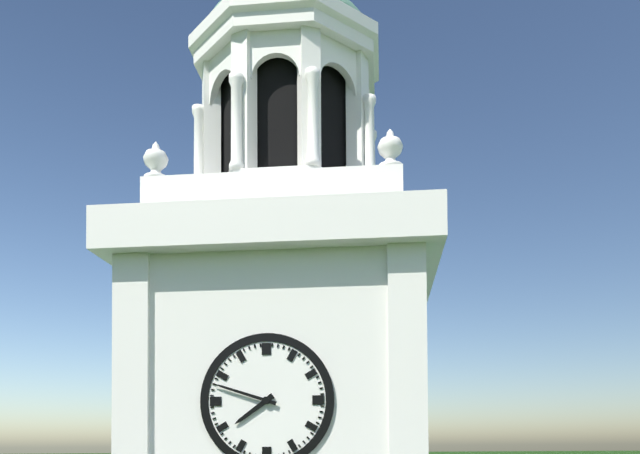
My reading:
{"hour": 7, "minute": 48}
